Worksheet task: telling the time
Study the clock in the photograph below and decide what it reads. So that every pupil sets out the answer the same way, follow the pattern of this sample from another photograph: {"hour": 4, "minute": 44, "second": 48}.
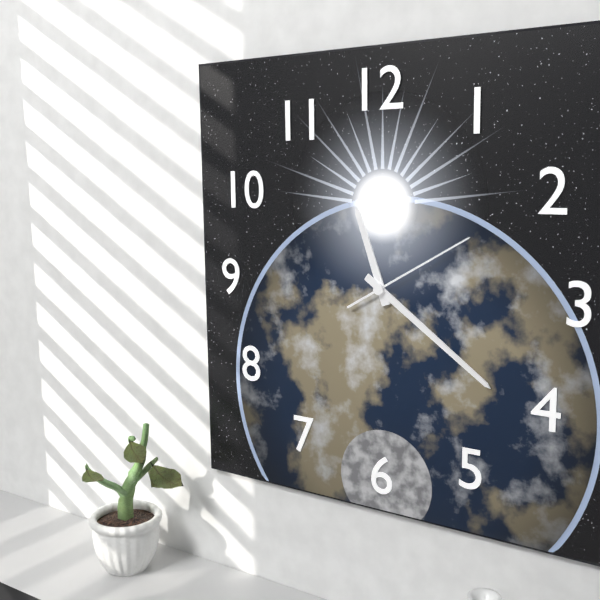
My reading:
{"hour": 11, "minute": 21, "second": 10}
